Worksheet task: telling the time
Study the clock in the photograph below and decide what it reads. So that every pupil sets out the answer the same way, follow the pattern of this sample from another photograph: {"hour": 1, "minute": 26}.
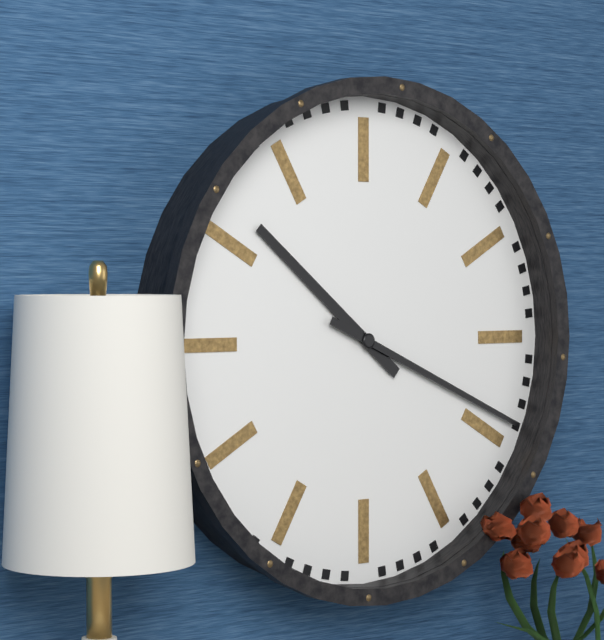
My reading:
{"hour": 10, "minute": 19}
